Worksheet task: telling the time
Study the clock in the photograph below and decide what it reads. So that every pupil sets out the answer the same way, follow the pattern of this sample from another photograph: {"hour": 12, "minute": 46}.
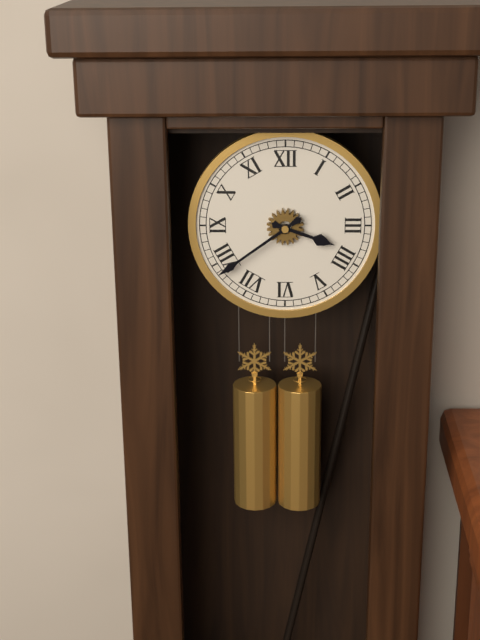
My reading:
{"hour": 3, "minute": 39}
